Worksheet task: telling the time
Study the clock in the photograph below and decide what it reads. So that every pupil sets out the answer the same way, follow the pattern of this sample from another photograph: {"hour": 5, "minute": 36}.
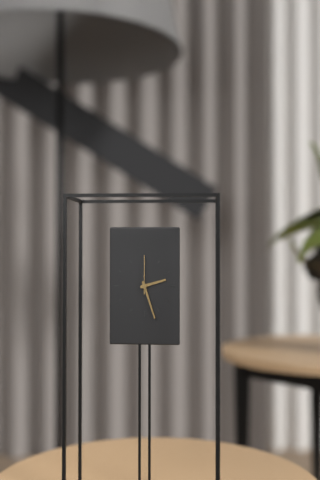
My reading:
{"hour": 2, "minute": 27}
